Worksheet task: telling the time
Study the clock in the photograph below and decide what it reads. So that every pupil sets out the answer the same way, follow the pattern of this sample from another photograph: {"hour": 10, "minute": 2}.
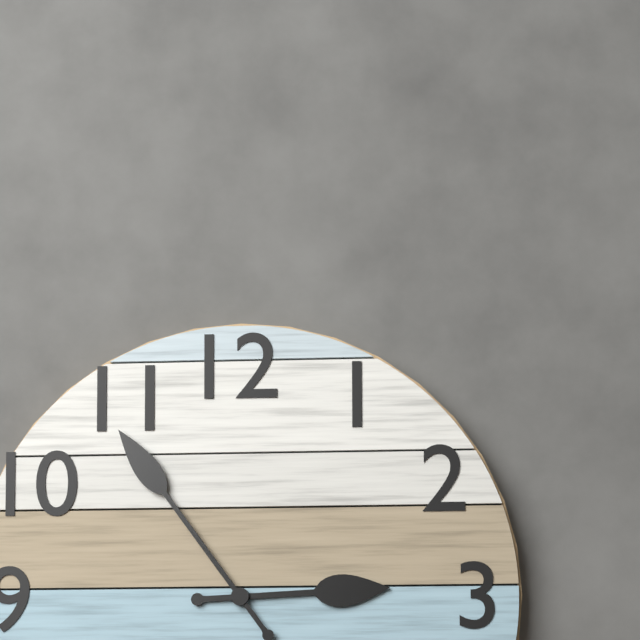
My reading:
{"hour": 2, "minute": 54}
